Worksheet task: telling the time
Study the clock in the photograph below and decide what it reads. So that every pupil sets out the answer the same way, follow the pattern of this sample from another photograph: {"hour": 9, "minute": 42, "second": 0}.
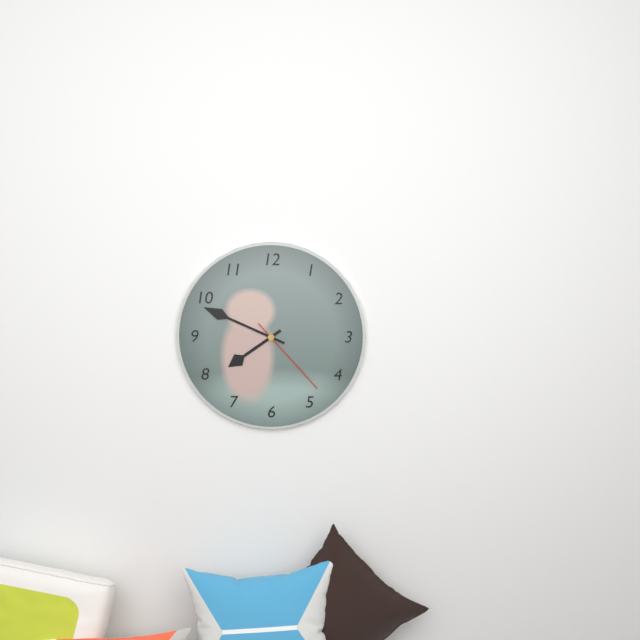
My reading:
{"hour": 7, "minute": 49, "second": 23}
